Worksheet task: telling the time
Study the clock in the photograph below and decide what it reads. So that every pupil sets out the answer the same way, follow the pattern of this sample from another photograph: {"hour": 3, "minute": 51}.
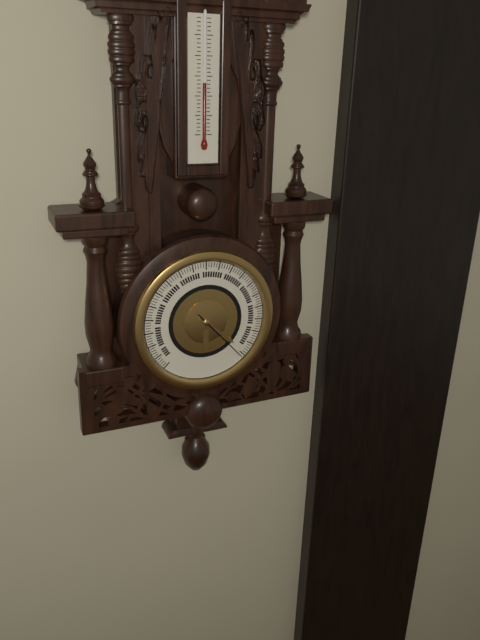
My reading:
{"hour": 4, "minute": 23}
